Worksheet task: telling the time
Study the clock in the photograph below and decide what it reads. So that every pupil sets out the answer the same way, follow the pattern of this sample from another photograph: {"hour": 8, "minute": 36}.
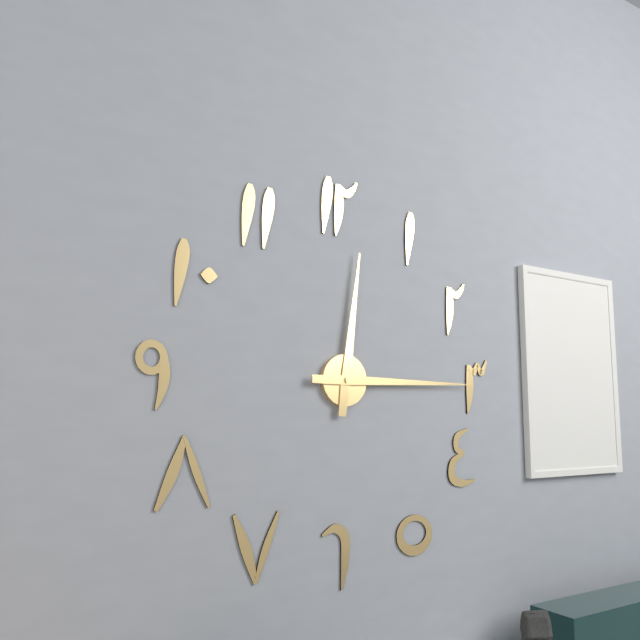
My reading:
{"hour": 12, "minute": 15}
